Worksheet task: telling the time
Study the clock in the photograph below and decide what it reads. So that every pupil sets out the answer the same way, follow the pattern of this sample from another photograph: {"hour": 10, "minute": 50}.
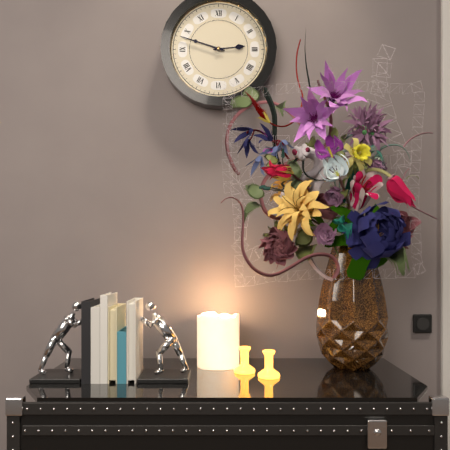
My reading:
{"hour": 2, "minute": 48}
